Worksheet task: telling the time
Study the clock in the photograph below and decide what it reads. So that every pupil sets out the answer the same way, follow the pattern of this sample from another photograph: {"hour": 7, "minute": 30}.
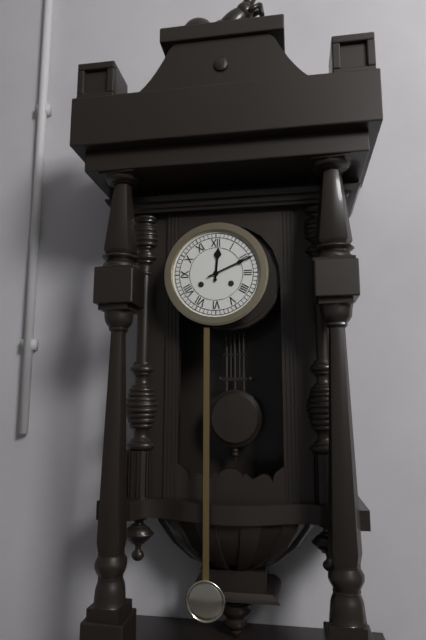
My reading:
{"hour": 12, "minute": 11}
